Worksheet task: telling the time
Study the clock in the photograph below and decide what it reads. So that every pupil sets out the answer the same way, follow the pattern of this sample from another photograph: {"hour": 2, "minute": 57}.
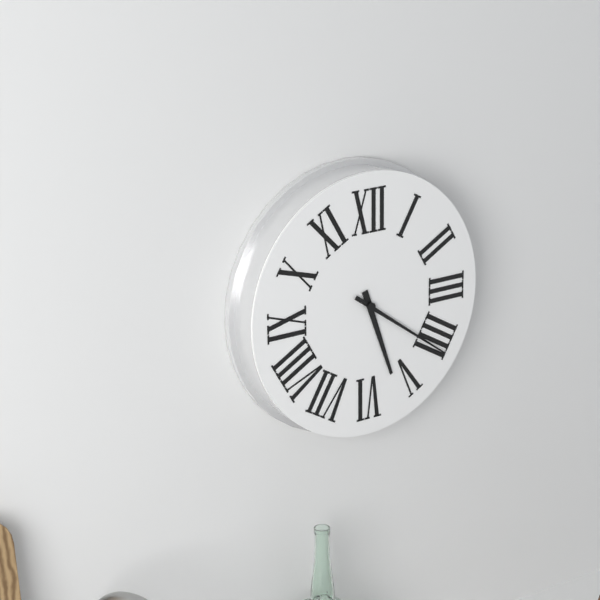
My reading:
{"hour": 5, "minute": 21}
